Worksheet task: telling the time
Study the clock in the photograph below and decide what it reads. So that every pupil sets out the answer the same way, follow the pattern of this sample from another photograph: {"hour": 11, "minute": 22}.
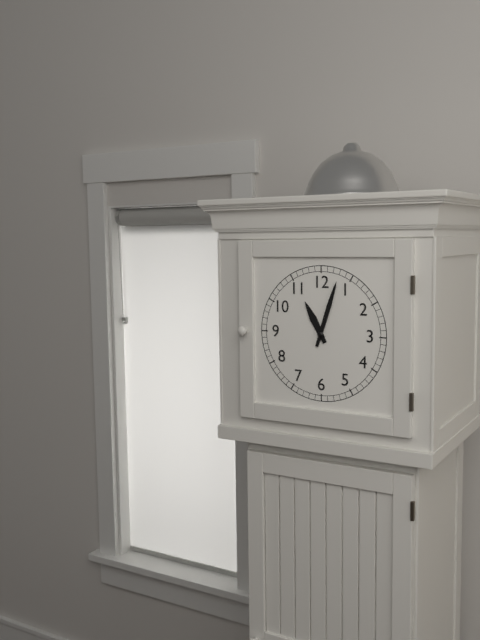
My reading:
{"hour": 11, "minute": 3}
